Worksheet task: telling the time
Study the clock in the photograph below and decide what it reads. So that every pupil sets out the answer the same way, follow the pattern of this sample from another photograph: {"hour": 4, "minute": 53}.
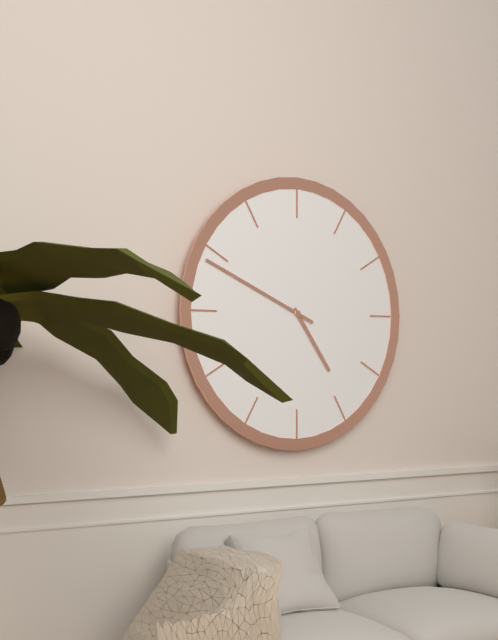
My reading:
{"hour": 4, "minute": 49}
